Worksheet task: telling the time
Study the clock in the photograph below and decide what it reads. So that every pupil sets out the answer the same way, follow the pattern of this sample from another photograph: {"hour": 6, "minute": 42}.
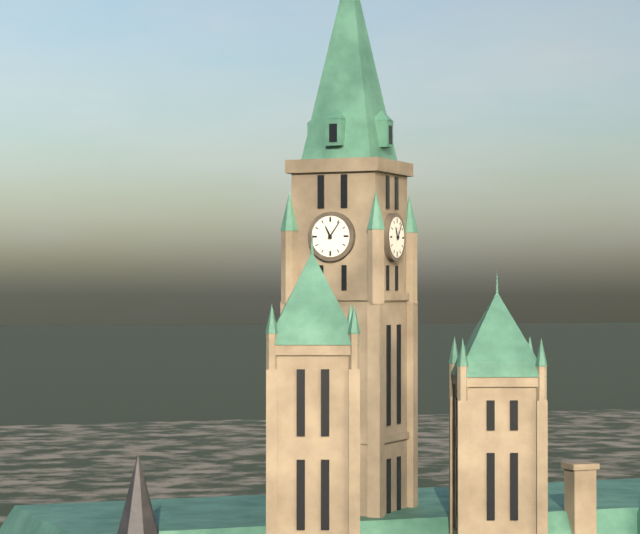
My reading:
{"hour": 11, "minute": 6}
